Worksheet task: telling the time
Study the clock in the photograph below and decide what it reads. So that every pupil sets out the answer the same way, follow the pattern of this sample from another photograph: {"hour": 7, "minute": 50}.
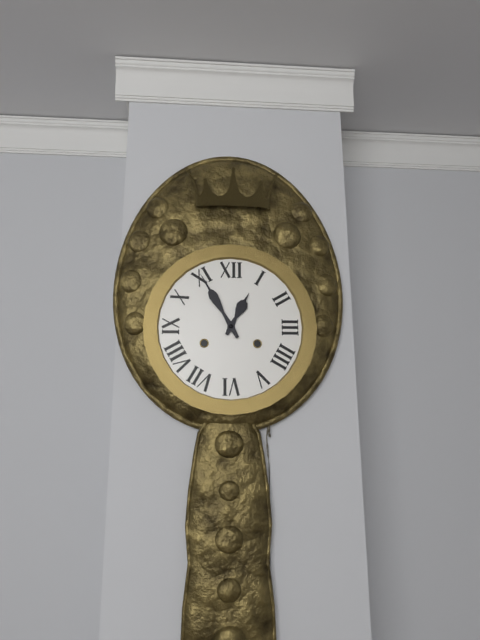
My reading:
{"hour": 12, "minute": 55}
